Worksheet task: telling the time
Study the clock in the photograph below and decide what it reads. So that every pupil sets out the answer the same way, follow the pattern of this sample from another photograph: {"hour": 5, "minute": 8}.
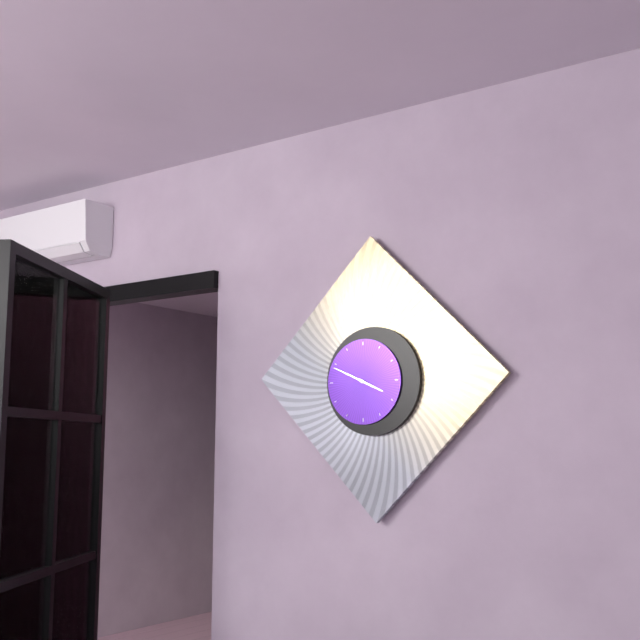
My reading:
{"hour": 3, "minute": 49}
